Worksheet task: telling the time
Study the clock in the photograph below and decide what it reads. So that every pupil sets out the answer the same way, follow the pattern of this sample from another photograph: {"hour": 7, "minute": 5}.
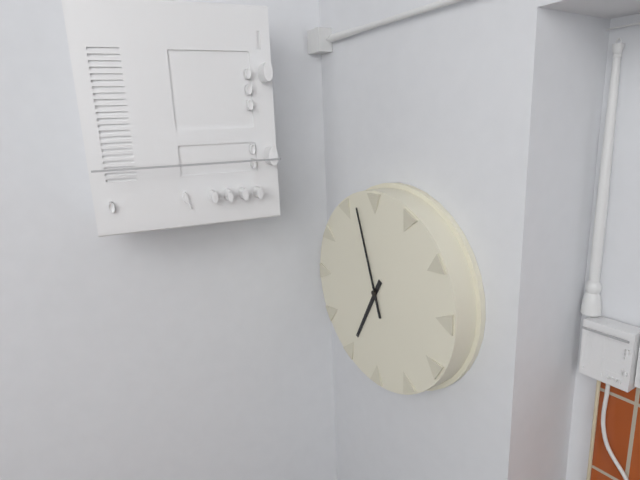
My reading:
{"hour": 6, "minute": 57}
